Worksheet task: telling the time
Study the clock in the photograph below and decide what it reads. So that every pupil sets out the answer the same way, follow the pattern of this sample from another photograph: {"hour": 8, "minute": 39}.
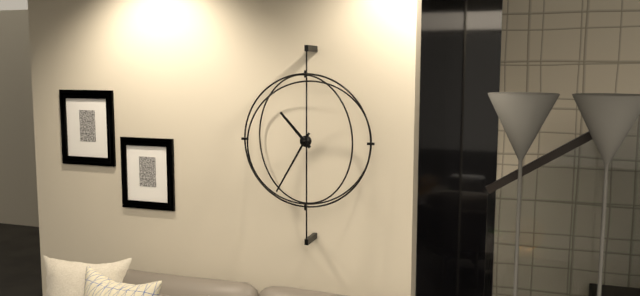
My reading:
{"hour": 10, "minute": 35}
